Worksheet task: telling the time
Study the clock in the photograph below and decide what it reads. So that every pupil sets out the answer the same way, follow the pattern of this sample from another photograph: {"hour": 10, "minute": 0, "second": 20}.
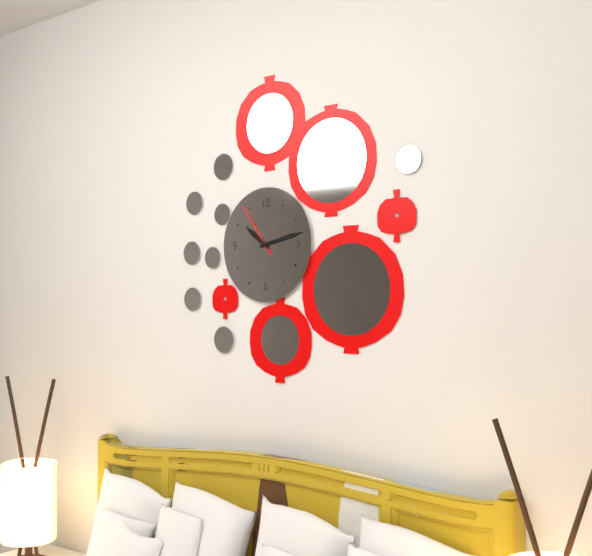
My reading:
{"hour": 10, "minute": 13, "second": 54}
